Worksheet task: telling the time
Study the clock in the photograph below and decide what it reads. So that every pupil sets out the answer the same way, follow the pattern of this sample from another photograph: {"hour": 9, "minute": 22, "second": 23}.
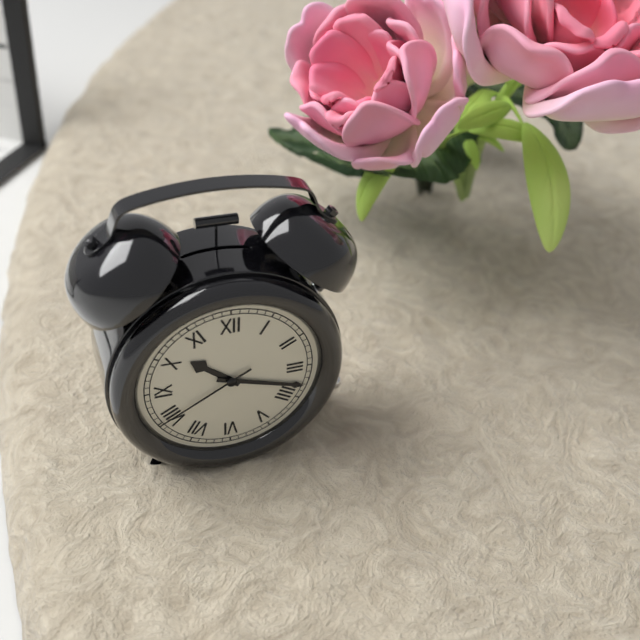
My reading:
{"hour": 10, "minute": 18, "second": 40}
